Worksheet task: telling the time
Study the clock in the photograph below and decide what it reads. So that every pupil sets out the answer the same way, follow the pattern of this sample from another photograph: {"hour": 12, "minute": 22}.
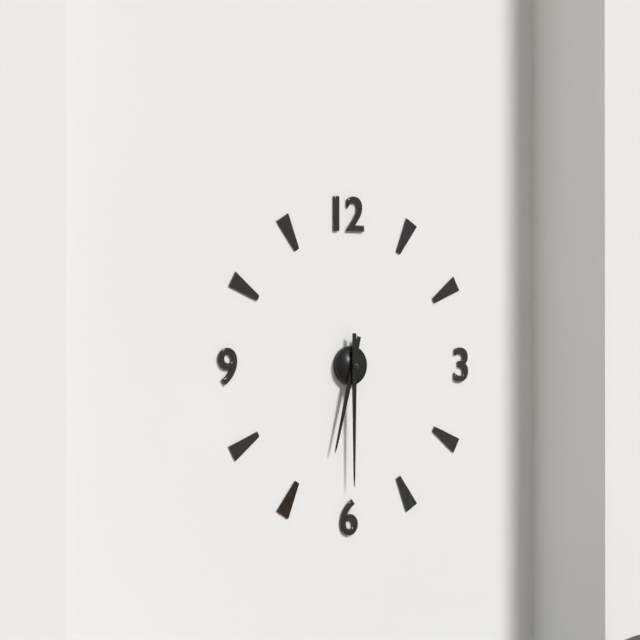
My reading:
{"hour": 6, "minute": 30}
